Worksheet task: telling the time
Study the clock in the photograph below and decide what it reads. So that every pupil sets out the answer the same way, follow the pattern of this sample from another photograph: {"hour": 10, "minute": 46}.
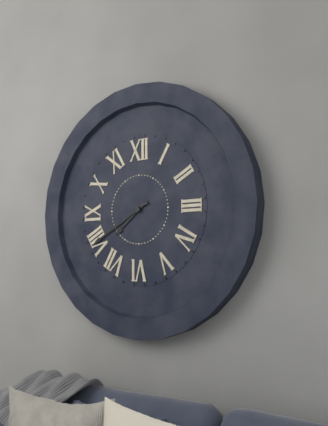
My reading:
{"hour": 7, "minute": 40}
